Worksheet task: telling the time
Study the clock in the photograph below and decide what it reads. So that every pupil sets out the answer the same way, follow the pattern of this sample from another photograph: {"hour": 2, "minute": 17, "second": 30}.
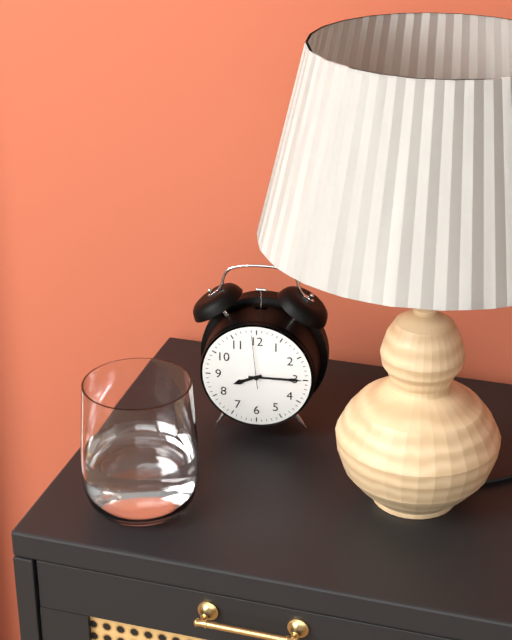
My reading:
{"hour": 8, "minute": 15, "second": 59}
